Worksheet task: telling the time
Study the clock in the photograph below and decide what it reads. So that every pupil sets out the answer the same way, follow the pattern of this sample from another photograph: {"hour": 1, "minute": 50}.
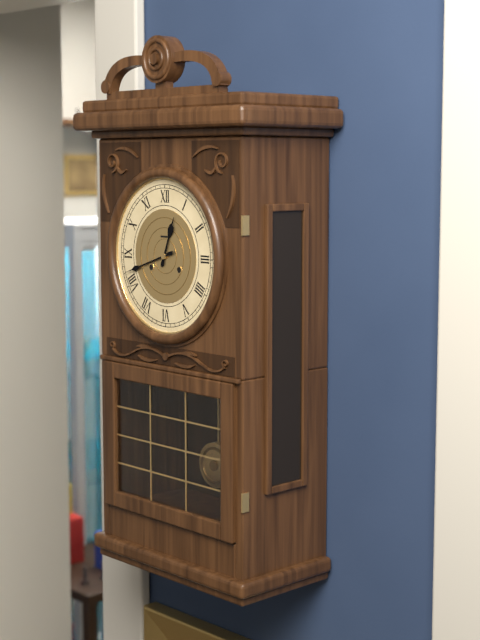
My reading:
{"hour": 12, "minute": 42}
